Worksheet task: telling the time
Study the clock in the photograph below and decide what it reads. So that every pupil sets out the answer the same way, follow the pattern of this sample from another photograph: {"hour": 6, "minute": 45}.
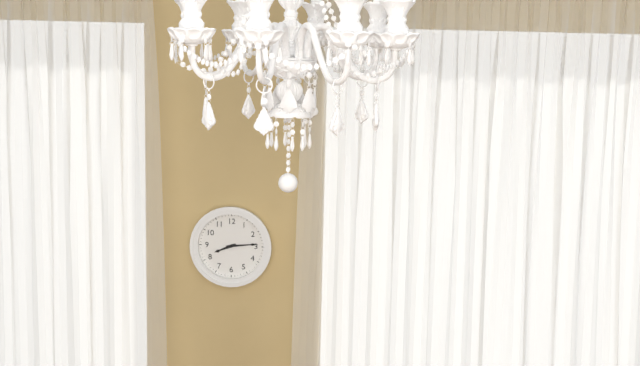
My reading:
{"hour": 8, "minute": 14}
